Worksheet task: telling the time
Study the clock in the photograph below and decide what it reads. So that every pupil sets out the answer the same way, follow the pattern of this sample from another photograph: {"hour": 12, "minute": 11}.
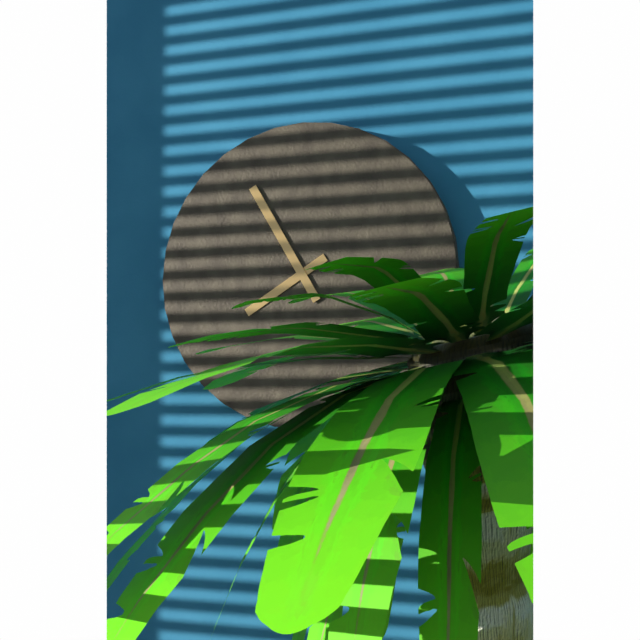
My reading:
{"hour": 7, "minute": 55}
